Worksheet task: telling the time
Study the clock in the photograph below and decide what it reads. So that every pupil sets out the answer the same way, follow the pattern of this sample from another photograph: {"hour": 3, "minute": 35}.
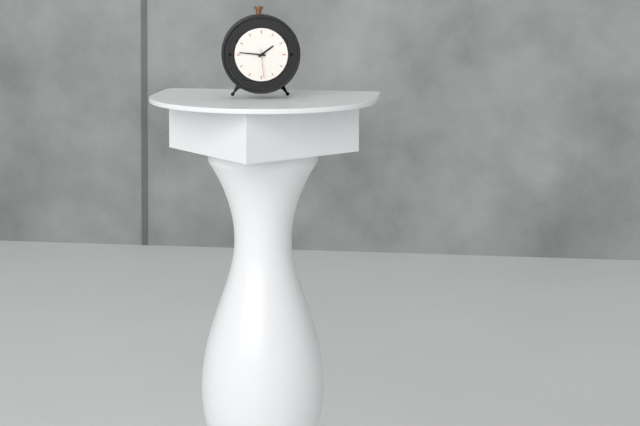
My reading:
{"hour": 1, "minute": 46}
